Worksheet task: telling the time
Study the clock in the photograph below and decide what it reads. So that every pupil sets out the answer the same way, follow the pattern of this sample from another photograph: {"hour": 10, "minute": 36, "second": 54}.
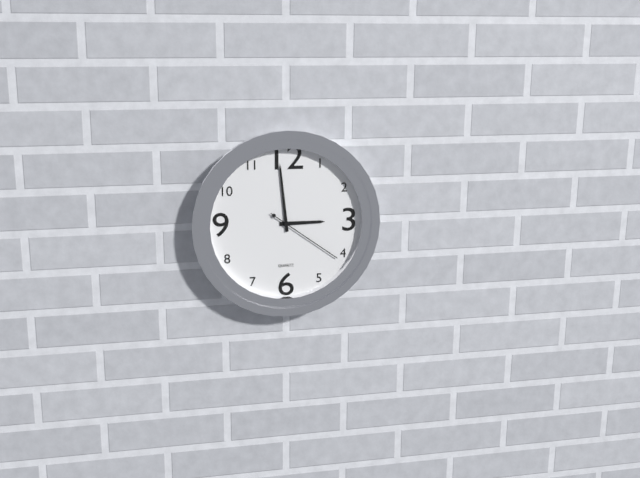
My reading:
{"hour": 2, "minute": 59, "second": 21}
